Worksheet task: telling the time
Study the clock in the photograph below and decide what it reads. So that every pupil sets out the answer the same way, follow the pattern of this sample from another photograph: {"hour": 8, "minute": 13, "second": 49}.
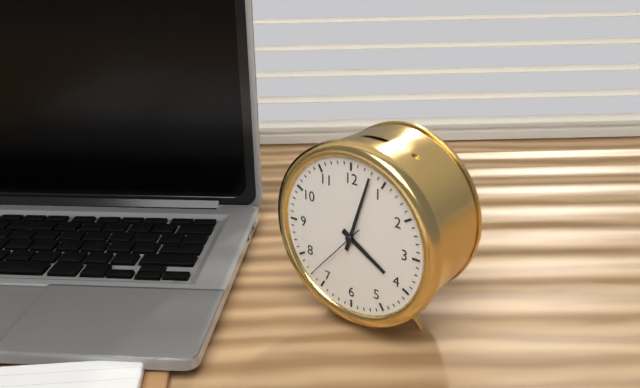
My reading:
{"hour": 4, "minute": 3, "second": 37}
